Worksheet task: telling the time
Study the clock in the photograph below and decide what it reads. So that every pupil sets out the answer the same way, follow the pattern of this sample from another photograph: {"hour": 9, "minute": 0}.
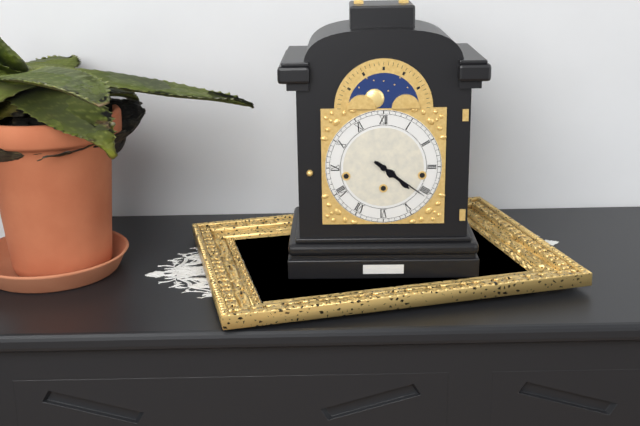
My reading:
{"hour": 4, "minute": 21}
